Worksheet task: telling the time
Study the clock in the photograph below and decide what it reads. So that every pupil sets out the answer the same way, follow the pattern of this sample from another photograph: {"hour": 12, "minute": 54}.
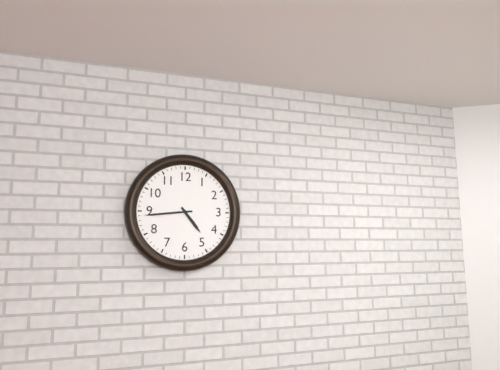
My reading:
{"hour": 4, "minute": 44}
